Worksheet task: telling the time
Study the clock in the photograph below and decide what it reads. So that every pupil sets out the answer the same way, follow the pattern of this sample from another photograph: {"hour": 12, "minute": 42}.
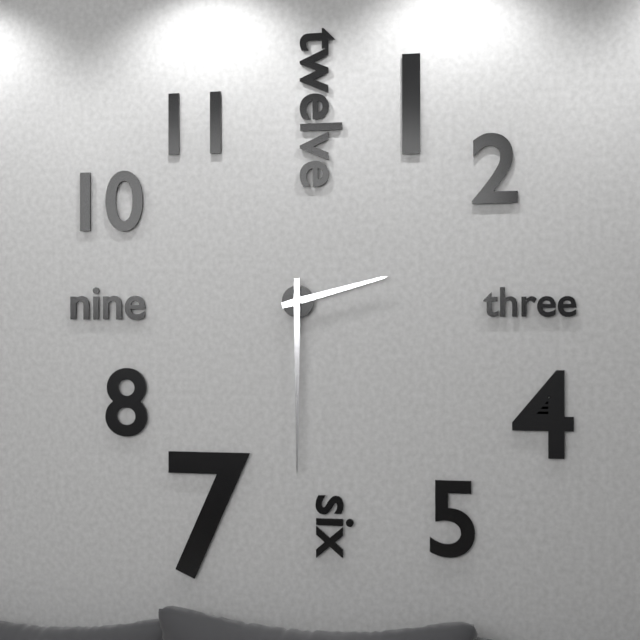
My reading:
{"hour": 2, "minute": 30}
